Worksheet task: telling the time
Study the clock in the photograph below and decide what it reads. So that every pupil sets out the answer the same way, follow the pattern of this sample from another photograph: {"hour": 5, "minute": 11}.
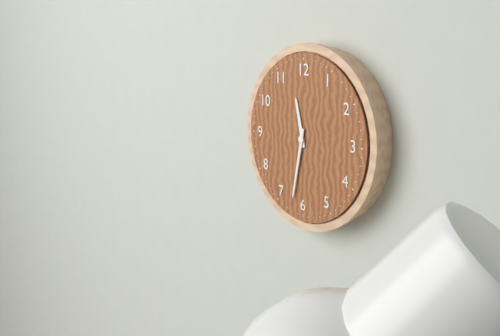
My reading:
{"hour": 11, "minute": 32}
